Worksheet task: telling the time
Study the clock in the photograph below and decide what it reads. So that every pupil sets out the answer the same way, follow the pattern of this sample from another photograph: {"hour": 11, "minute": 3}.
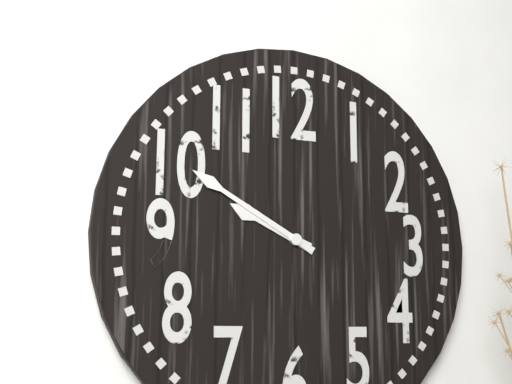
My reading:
{"hour": 9, "minute": 50}
